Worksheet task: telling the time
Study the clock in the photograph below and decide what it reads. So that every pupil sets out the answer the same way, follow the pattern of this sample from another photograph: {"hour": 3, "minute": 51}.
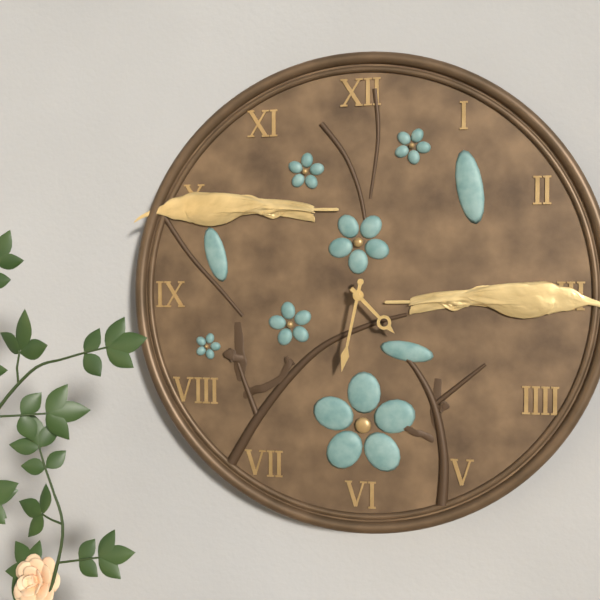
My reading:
{"hour": 4, "minute": 32}
